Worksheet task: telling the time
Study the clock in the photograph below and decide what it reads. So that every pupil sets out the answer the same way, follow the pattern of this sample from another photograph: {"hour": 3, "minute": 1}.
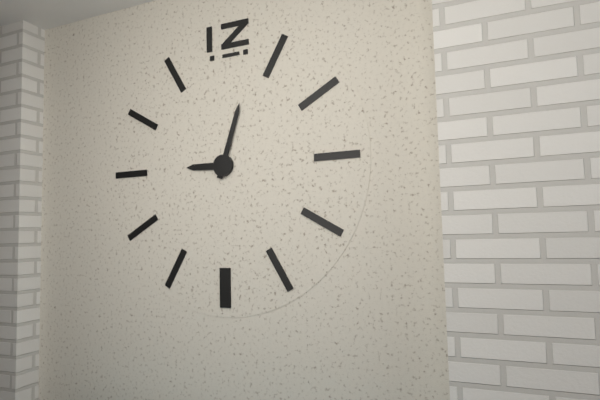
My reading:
{"hour": 9, "minute": 3}
